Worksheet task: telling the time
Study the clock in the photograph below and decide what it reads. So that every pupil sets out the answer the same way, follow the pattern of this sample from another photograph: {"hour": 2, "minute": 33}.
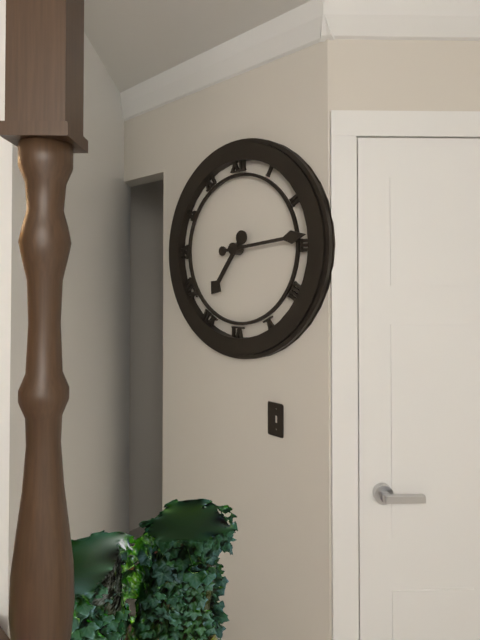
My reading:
{"hour": 7, "minute": 14}
